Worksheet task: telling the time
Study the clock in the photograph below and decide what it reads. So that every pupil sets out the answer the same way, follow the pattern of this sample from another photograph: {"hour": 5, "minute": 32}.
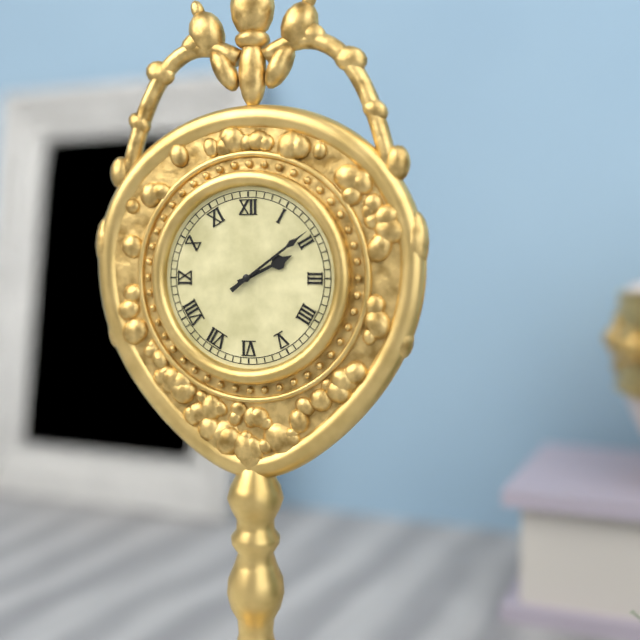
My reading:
{"hour": 2, "minute": 9}
